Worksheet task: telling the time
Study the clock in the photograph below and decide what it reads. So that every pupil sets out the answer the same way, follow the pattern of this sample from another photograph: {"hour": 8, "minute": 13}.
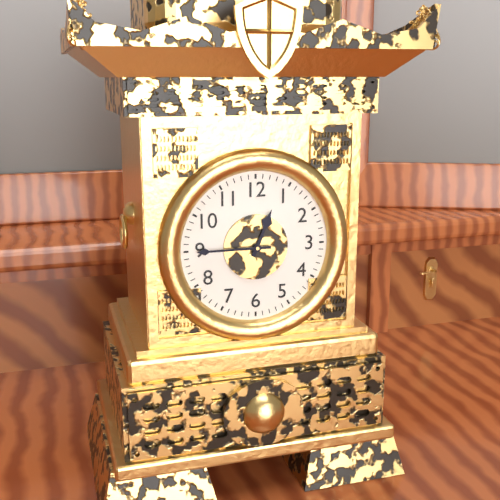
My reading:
{"hour": 12, "minute": 45}
